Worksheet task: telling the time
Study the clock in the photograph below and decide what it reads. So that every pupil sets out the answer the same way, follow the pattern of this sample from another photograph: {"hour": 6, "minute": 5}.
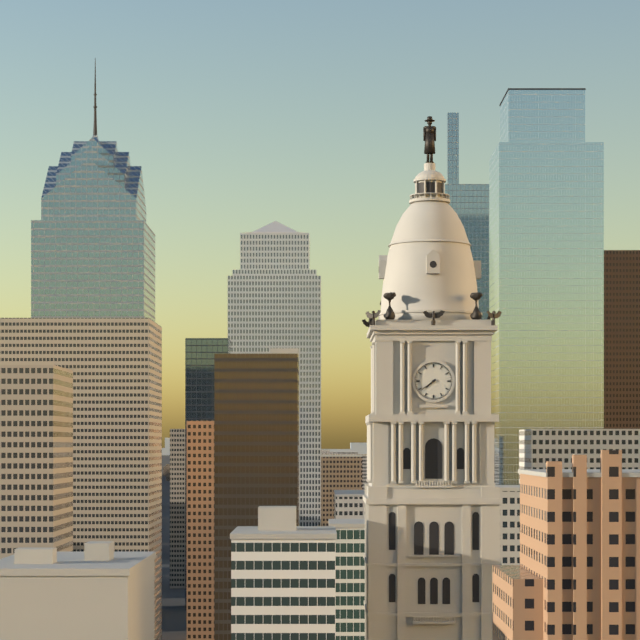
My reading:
{"hour": 7, "minute": 39}
